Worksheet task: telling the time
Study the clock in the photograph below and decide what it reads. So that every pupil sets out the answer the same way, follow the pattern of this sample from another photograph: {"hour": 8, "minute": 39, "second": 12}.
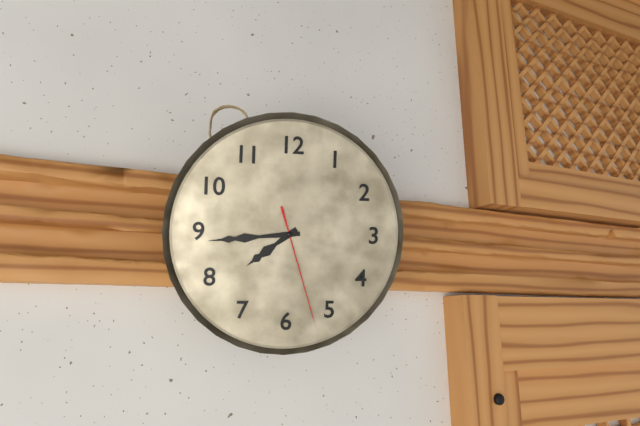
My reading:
{"hour": 7, "minute": 44, "second": 27}
